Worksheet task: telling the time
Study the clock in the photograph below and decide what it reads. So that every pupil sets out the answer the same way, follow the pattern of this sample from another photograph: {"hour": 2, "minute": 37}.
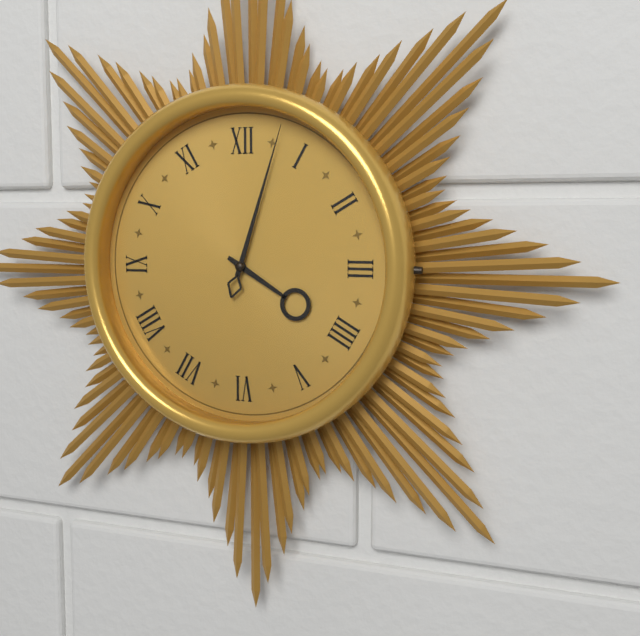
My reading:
{"hour": 4, "minute": 3}
